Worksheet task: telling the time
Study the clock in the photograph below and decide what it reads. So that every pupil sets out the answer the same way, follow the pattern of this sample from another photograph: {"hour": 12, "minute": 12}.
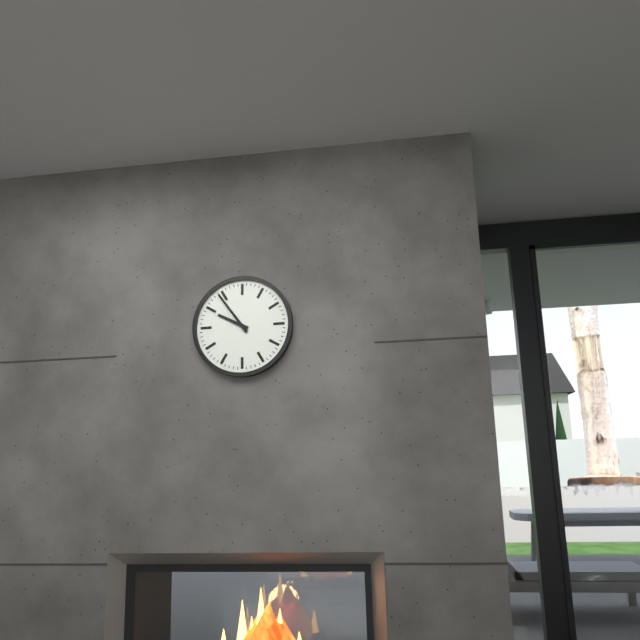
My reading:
{"hour": 9, "minute": 54}
